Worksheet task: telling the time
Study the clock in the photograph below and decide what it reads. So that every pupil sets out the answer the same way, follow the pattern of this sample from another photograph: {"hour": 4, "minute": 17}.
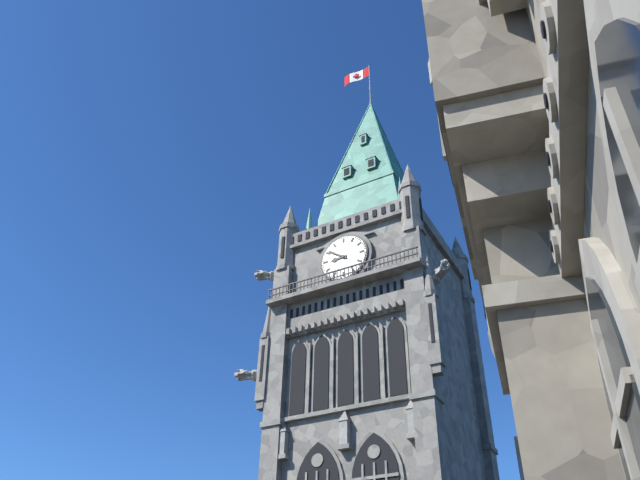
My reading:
{"hour": 8, "minute": 51}
